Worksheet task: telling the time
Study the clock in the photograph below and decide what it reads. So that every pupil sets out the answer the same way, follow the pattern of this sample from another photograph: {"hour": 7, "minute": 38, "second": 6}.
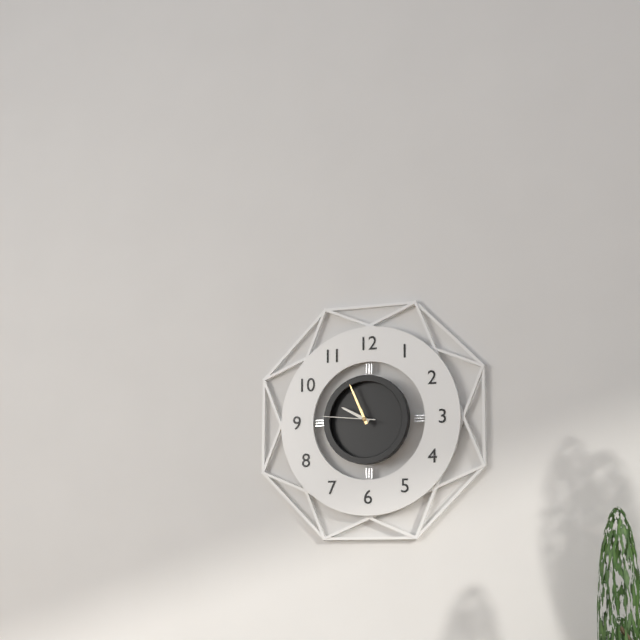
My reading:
{"hour": 9, "minute": 56, "second": 46}
